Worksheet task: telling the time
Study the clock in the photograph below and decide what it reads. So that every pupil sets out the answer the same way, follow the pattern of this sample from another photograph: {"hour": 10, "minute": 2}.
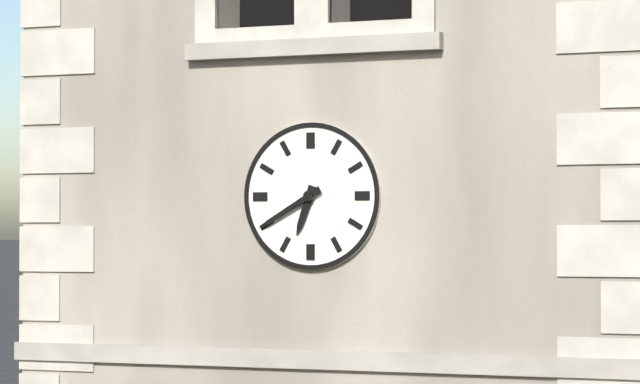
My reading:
{"hour": 6, "minute": 40}
